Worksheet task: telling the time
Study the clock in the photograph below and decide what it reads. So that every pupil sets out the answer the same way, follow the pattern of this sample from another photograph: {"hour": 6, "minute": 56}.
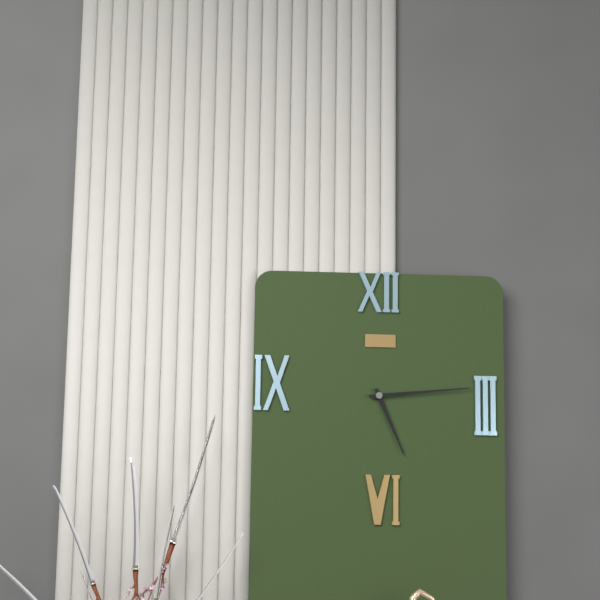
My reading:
{"hour": 5, "minute": 14}
